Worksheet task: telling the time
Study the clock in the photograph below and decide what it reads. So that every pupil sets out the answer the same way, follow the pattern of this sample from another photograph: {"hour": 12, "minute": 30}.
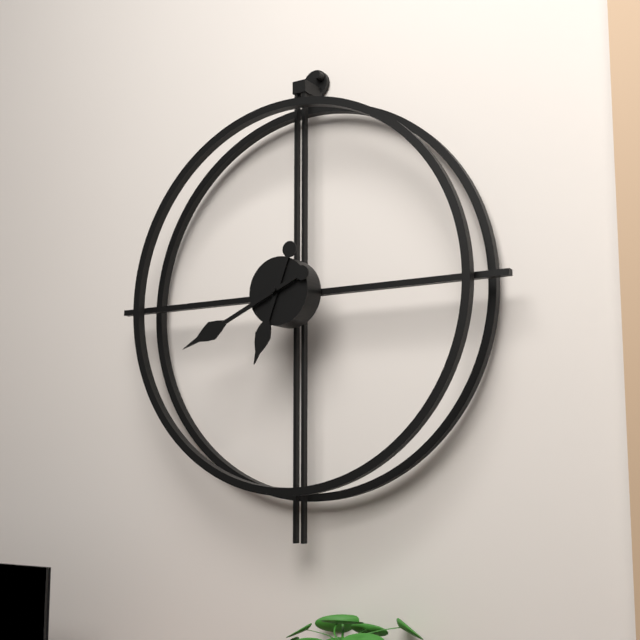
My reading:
{"hour": 6, "minute": 41}
